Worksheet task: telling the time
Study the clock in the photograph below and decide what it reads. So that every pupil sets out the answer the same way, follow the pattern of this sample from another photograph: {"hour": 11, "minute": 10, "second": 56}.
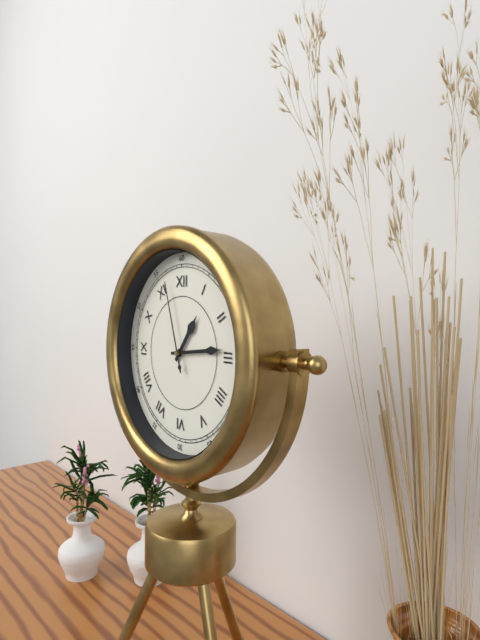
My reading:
{"hour": 1, "minute": 14, "second": 57}
